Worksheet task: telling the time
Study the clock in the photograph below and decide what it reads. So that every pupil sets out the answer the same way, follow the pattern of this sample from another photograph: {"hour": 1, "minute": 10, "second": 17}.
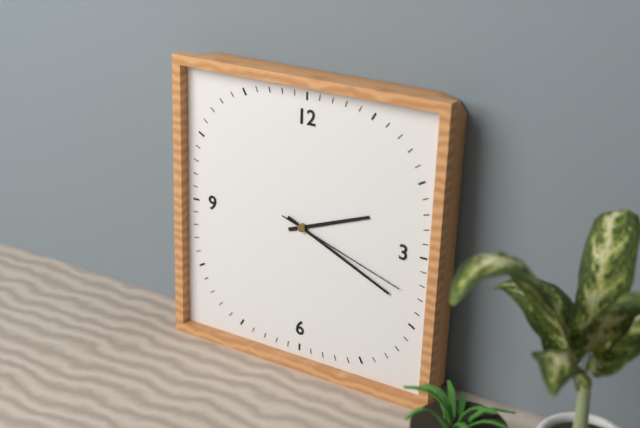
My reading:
{"hour": 2, "minute": 19, "second": 18}
